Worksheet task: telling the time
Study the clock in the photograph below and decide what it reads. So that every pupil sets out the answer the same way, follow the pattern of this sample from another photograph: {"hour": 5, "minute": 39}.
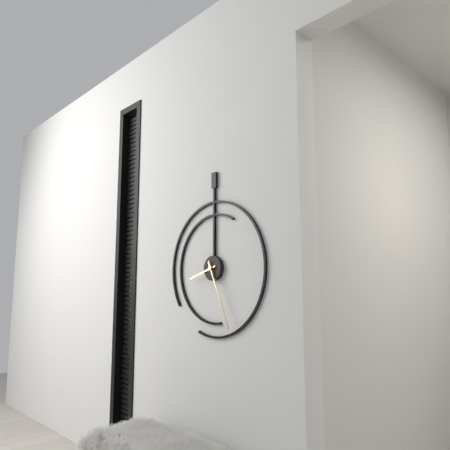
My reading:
{"hour": 8, "minute": 26}
